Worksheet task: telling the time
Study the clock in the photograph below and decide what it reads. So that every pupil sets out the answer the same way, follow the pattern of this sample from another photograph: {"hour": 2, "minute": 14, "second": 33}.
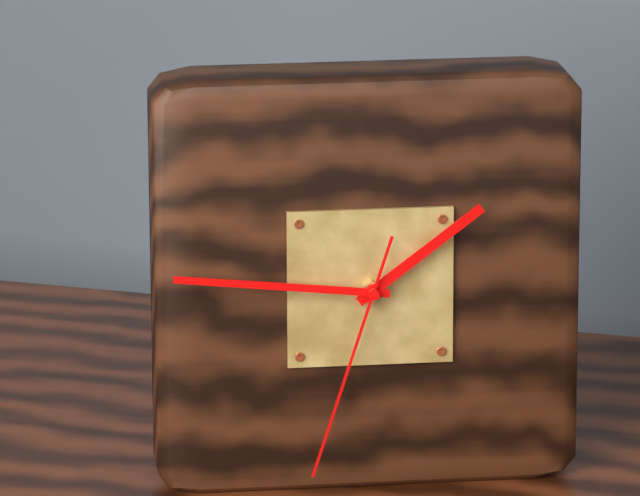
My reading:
{"hour": 1, "minute": 46, "second": 33}
